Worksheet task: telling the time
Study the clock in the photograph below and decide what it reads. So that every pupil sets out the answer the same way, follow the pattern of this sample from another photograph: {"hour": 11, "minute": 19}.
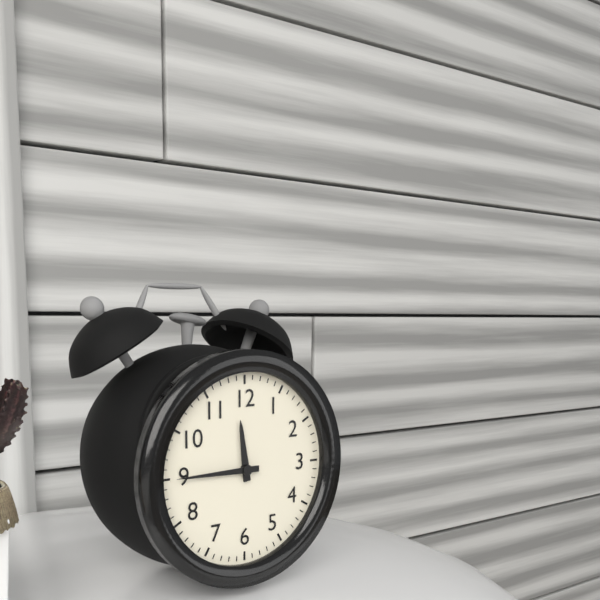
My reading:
{"hour": 11, "minute": 45}
